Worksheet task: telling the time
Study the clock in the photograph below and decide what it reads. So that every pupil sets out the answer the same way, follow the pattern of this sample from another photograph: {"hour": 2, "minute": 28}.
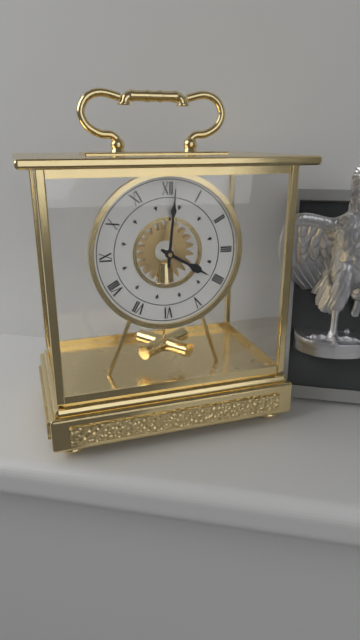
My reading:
{"hour": 4, "minute": 1}
